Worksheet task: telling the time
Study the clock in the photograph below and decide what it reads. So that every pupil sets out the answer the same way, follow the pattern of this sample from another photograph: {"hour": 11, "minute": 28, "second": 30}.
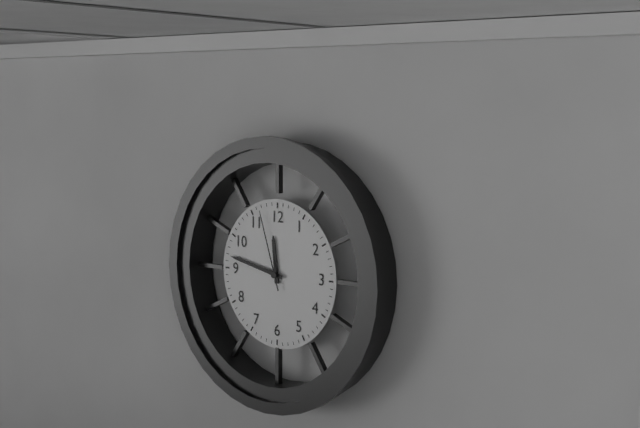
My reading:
{"hour": 11, "minute": 47, "second": 57}
